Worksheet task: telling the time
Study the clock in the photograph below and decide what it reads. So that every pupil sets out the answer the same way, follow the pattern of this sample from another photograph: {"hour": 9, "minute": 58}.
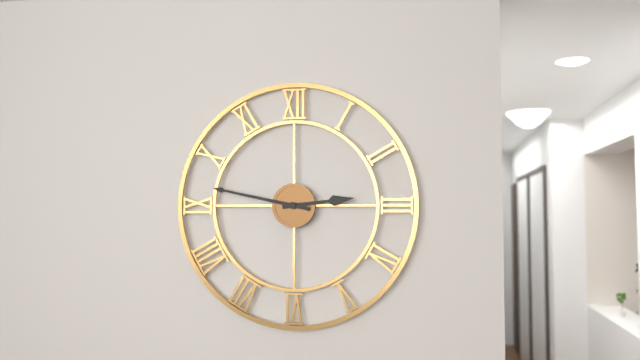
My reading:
{"hour": 2, "minute": 47}
